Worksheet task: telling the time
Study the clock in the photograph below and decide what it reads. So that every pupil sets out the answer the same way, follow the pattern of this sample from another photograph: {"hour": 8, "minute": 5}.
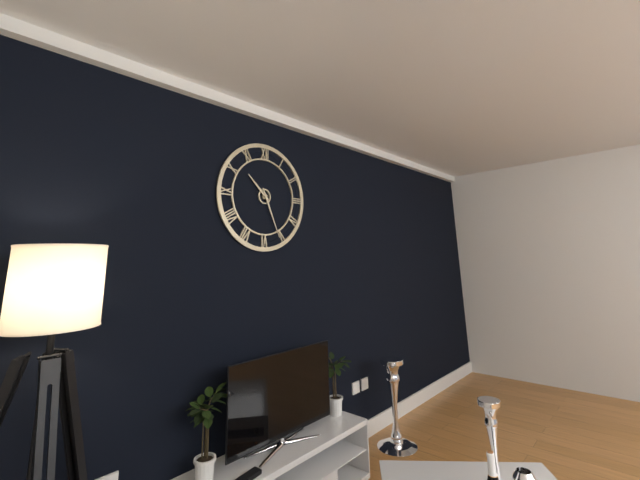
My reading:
{"hour": 10, "minute": 26}
